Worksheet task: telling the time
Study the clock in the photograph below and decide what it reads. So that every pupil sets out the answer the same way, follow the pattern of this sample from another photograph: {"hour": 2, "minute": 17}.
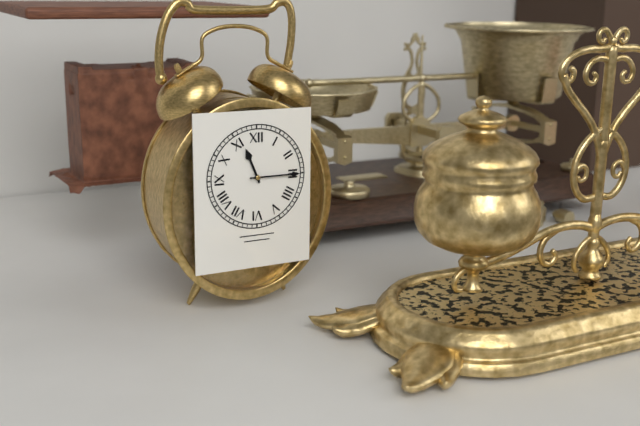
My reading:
{"hour": 11, "minute": 15}
